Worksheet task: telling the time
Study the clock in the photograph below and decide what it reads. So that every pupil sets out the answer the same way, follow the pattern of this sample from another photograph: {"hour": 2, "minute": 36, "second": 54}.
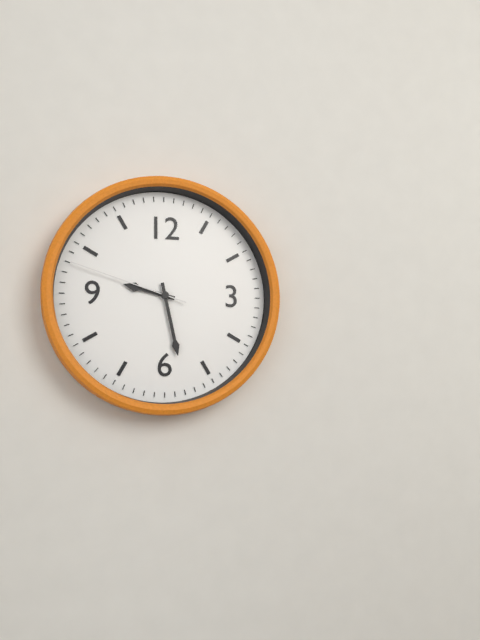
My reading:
{"hour": 9, "minute": 28, "second": 48}
